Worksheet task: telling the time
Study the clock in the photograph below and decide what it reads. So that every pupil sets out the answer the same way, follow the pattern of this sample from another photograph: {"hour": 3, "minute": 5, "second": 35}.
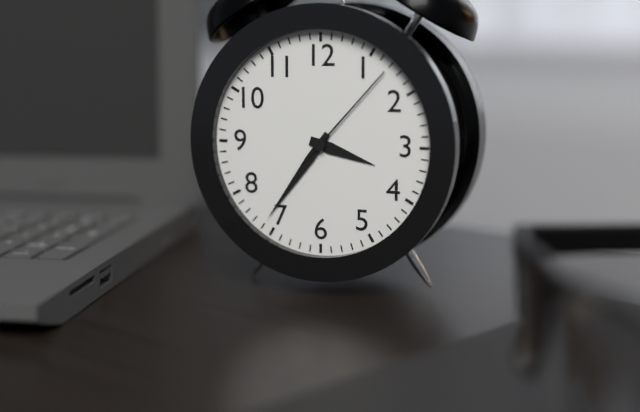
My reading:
{"hour": 3, "minute": 36, "second": 7}
